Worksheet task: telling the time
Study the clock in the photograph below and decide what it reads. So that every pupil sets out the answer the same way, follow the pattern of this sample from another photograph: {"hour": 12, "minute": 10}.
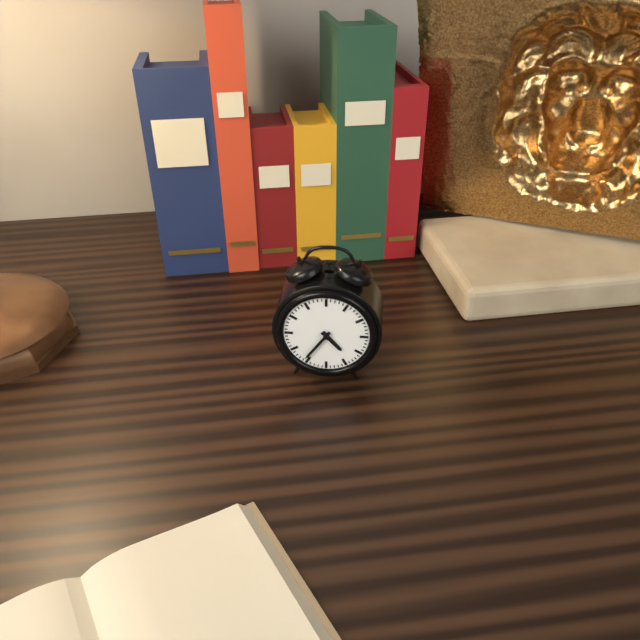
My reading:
{"hour": 4, "minute": 36}
